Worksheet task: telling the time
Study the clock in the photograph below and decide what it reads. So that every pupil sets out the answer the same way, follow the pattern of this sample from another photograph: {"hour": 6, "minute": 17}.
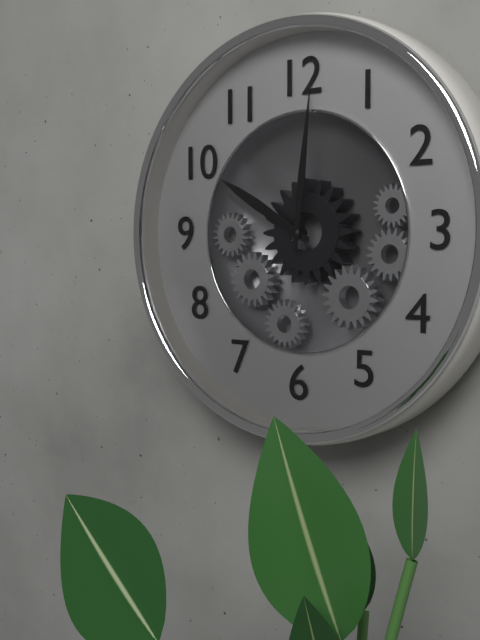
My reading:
{"hour": 10, "minute": 1}
